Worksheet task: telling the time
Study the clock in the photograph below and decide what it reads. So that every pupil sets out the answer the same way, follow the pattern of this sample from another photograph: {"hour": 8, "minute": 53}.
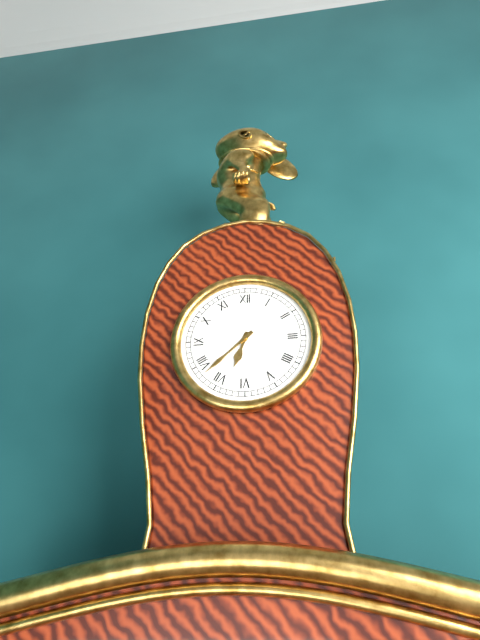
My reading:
{"hour": 6, "minute": 38}
